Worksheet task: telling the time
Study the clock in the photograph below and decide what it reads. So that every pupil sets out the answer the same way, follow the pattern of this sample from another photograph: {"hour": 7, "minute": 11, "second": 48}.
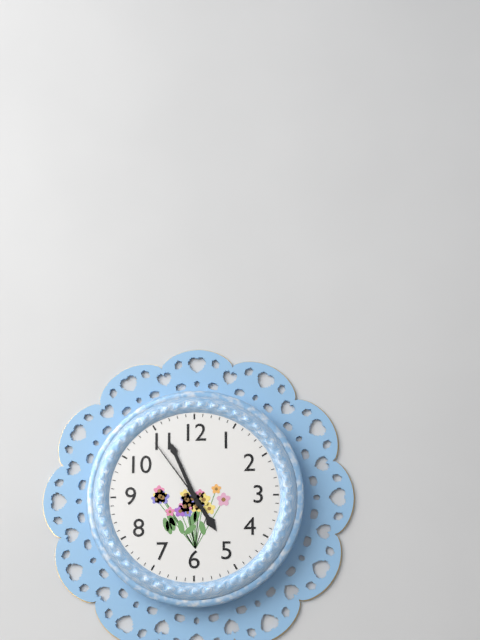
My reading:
{"hour": 4, "minute": 56, "second": 54}
